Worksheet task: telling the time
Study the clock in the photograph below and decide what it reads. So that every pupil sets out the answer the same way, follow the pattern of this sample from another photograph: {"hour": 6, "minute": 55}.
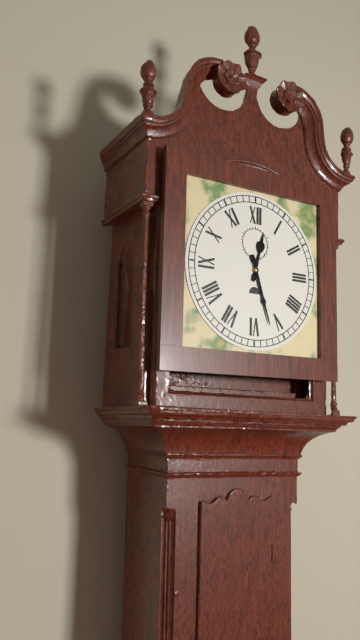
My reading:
{"hour": 12, "minute": 27}
